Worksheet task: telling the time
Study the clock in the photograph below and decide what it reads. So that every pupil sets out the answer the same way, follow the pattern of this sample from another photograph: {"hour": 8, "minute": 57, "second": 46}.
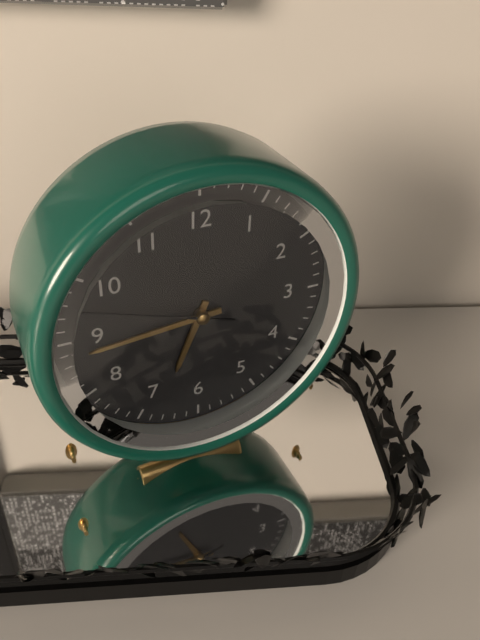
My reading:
{"hour": 6, "minute": 44, "second": 48}
